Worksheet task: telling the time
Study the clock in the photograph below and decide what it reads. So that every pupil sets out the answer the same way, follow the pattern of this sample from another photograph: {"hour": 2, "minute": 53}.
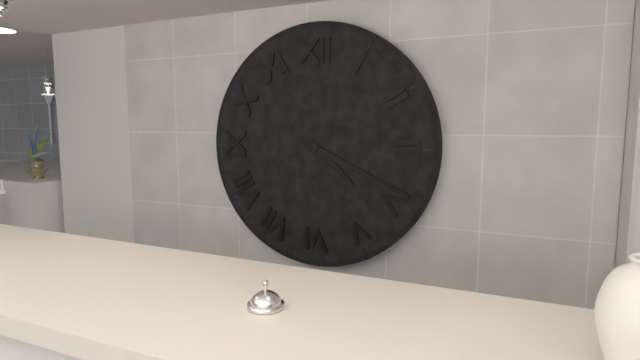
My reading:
{"hour": 4, "minute": 19}
